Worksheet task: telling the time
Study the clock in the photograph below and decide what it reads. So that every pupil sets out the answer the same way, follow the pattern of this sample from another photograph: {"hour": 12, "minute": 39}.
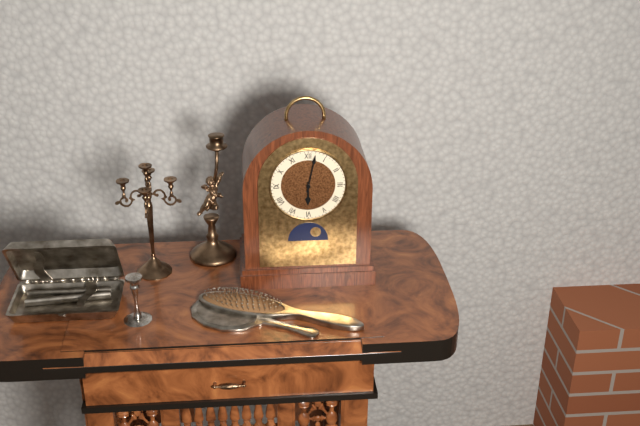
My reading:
{"hour": 6, "minute": 2}
